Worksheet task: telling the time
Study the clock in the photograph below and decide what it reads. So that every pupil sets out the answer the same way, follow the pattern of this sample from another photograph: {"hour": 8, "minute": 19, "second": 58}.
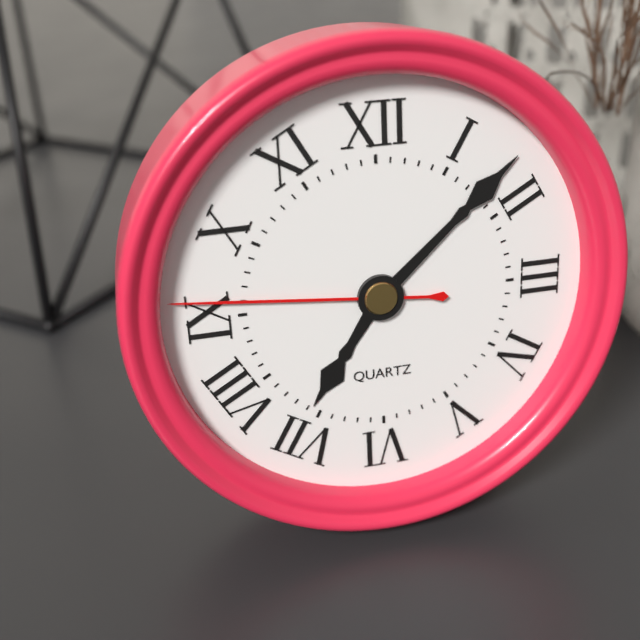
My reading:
{"hour": 7, "minute": 8, "second": 46}
